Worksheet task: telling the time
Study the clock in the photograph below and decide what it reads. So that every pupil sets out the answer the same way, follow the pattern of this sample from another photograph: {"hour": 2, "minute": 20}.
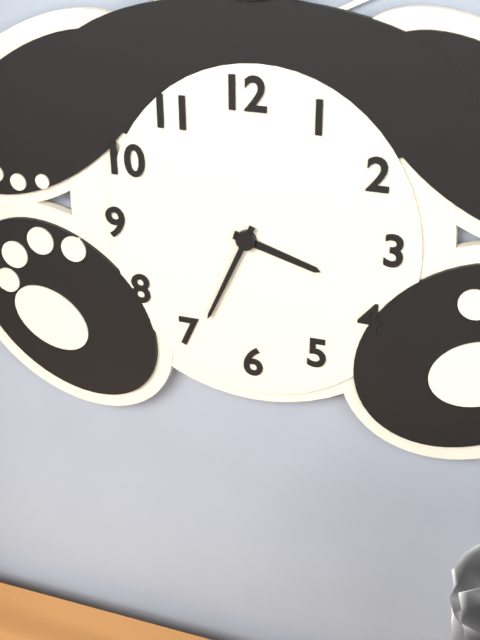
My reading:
{"hour": 3, "minute": 34}
